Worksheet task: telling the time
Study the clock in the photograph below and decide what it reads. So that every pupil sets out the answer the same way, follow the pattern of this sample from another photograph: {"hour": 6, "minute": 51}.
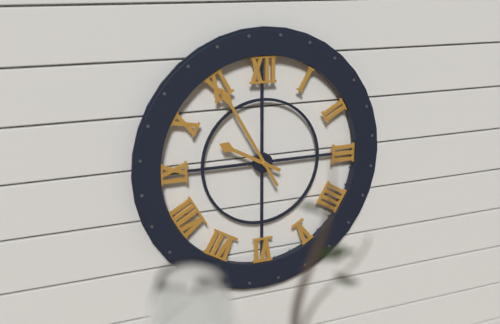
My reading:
{"hour": 9, "minute": 55}
